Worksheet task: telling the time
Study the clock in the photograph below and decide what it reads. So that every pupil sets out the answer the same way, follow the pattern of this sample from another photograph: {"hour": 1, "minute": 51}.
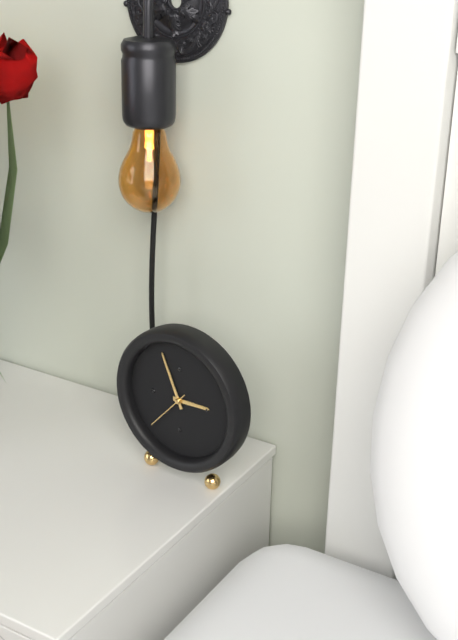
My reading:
{"hour": 2, "minute": 56}
